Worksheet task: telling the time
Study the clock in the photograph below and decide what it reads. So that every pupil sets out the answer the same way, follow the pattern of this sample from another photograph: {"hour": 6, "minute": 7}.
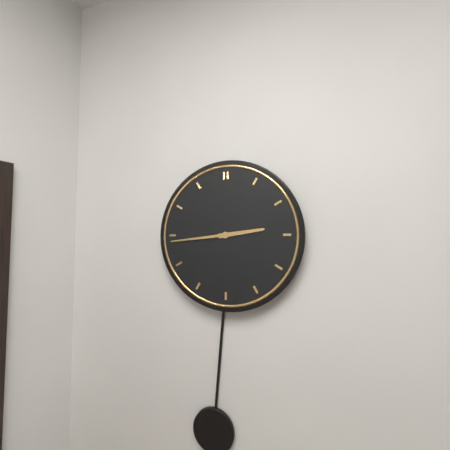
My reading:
{"hour": 2, "minute": 44}
